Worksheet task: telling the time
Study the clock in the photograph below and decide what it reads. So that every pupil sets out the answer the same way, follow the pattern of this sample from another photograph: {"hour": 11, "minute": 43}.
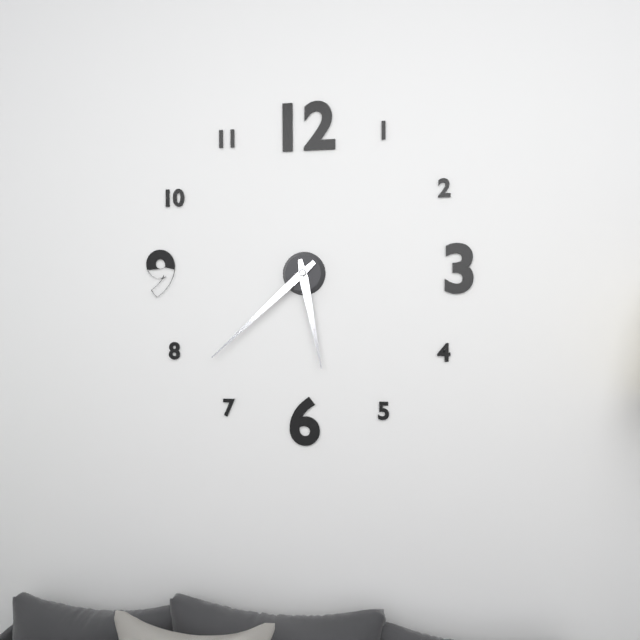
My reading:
{"hour": 5, "minute": 38}
